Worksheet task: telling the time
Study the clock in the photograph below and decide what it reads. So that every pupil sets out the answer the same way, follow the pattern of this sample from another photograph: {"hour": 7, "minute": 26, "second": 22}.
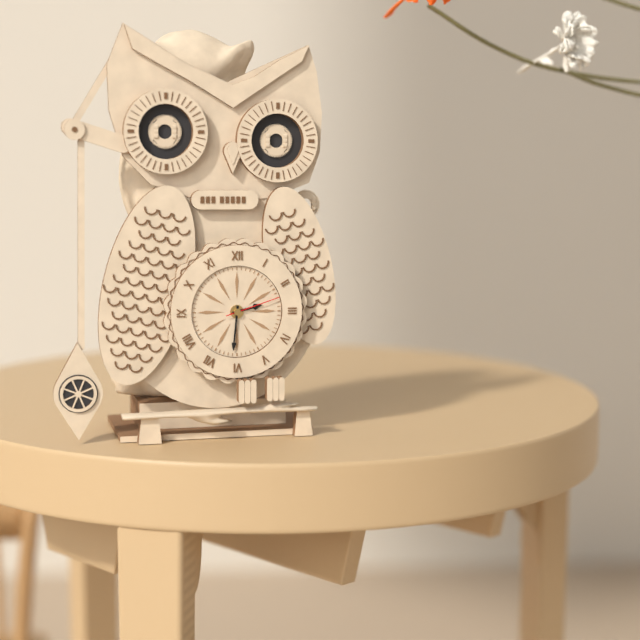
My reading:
{"hour": 2, "minute": 31, "second": 12}
